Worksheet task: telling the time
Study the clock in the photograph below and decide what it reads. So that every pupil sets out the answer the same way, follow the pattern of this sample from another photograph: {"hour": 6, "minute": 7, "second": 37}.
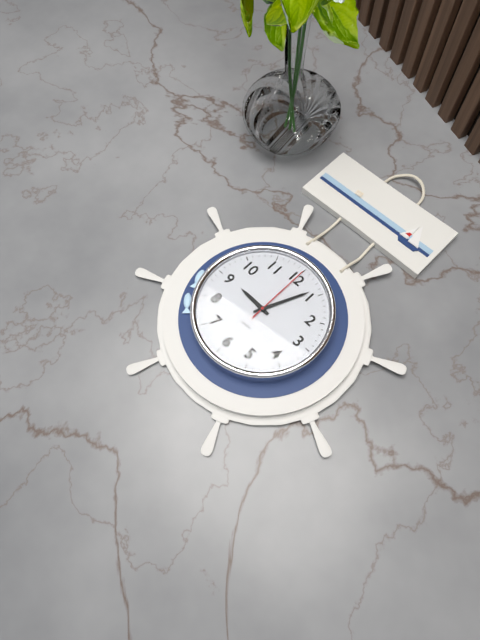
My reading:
{"hour": 9, "minute": 4, "second": 0}
